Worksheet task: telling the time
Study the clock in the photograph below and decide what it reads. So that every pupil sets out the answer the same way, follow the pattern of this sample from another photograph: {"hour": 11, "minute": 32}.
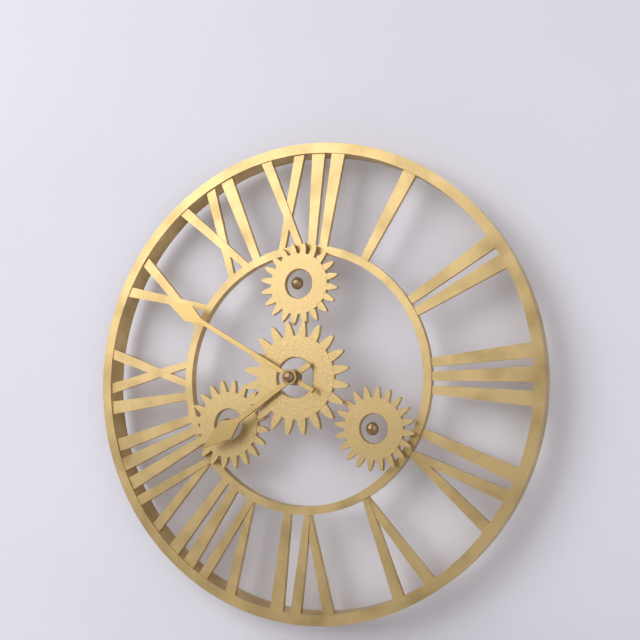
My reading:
{"hour": 7, "minute": 50}
